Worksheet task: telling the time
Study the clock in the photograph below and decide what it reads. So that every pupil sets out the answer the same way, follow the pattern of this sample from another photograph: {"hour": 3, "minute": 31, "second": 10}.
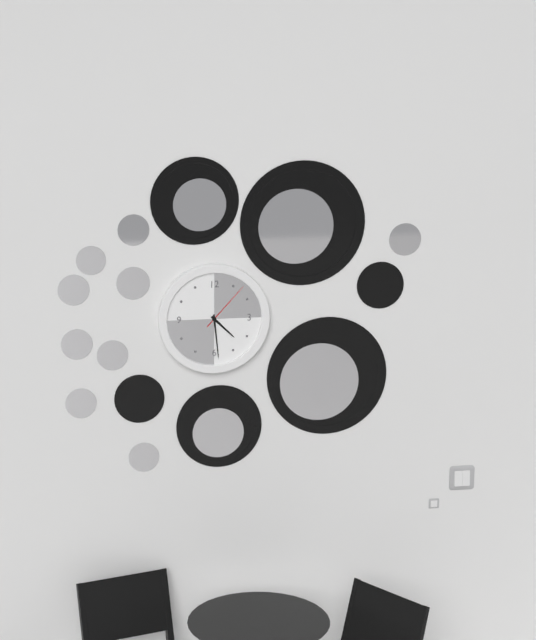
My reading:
{"hour": 4, "minute": 29, "second": 7}
